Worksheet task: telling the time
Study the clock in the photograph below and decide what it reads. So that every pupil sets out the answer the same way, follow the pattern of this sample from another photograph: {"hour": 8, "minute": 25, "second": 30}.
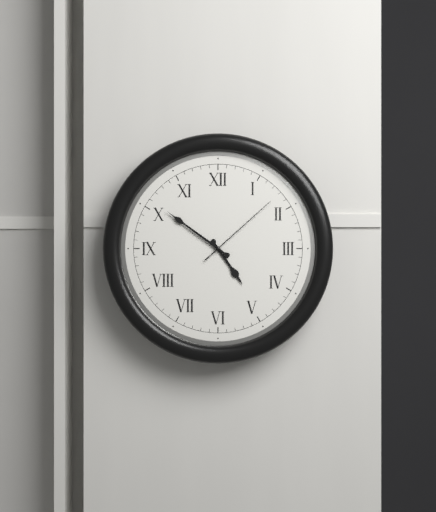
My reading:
{"hour": 4, "minute": 51, "second": 8}
